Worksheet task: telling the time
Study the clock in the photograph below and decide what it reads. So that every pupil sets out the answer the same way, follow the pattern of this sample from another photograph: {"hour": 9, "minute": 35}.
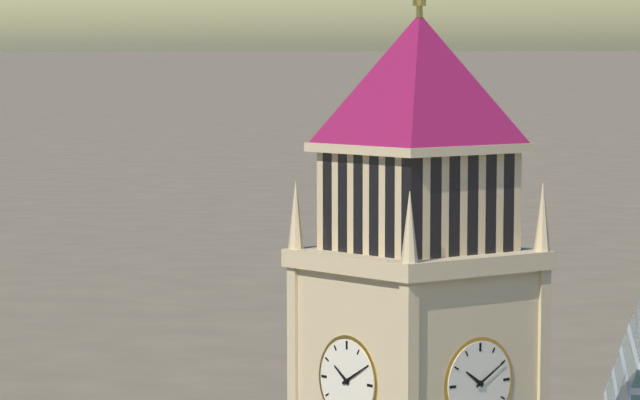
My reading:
{"hour": 10, "minute": 10}
